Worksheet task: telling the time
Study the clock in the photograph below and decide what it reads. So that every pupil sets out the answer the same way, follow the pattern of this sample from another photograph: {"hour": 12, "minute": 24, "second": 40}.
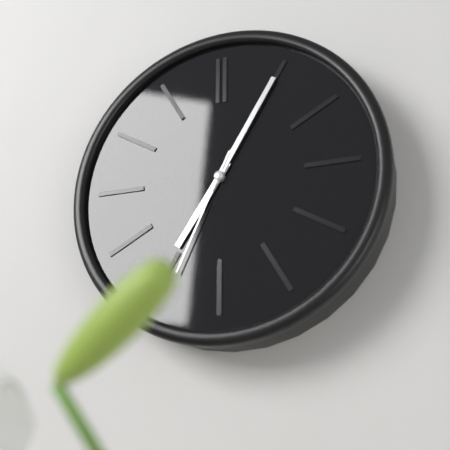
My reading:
{"hour": 7, "minute": 5, "second": 34}
